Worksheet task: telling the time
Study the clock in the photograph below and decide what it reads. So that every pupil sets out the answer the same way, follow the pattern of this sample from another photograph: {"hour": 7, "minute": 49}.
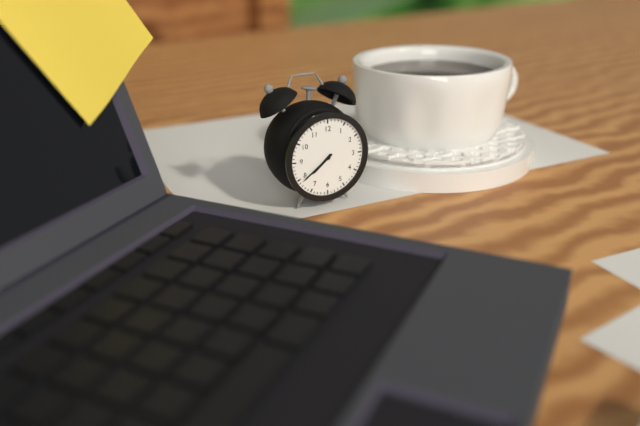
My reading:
{"hour": 7, "minute": 39}
